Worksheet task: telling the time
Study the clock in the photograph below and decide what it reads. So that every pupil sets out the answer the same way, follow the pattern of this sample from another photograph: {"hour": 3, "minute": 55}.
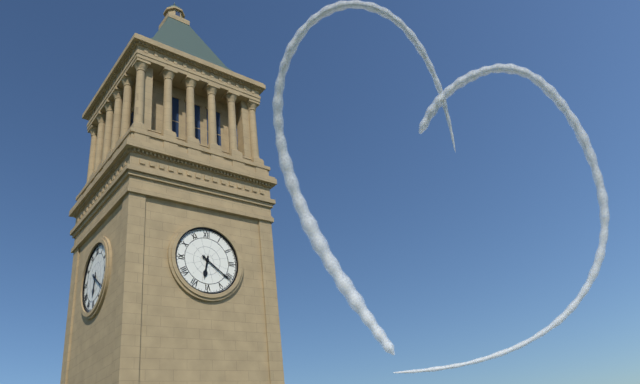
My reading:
{"hour": 6, "minute": 21}
